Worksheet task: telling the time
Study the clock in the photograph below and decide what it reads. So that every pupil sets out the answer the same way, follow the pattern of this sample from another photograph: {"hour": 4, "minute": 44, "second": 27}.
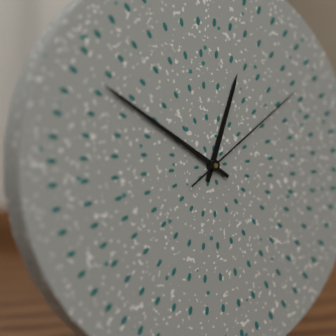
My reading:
{"hour": 12, "minute": 51, "second": 10}
